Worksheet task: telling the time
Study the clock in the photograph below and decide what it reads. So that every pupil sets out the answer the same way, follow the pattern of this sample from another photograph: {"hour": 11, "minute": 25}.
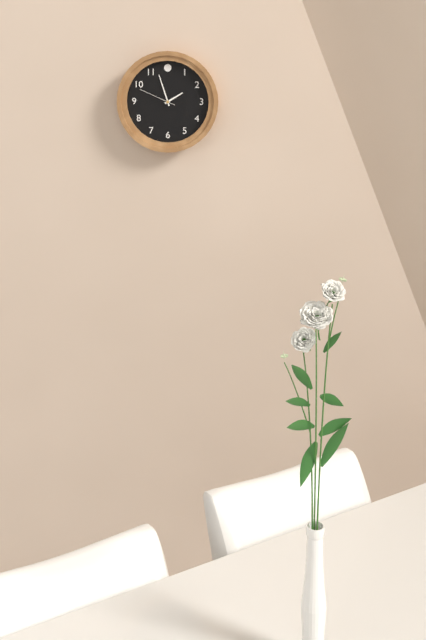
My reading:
{"hour": 1, "minute": 57}
